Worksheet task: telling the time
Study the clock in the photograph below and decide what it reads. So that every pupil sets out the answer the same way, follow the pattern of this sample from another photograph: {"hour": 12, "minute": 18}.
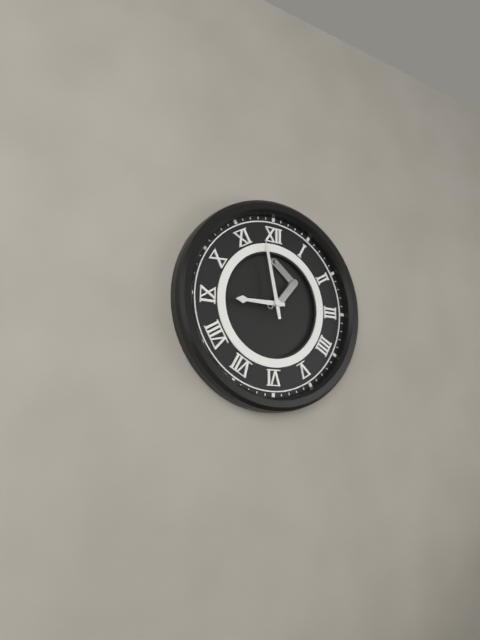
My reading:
{"hour": 8, "minute": 58}
